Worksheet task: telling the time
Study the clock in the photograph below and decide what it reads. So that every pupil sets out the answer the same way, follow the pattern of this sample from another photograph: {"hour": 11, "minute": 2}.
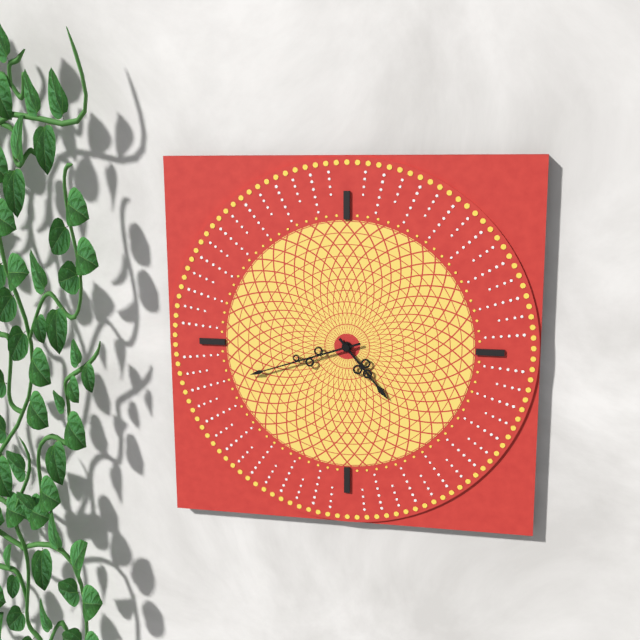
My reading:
{"hour": 4, "minute": 42}
